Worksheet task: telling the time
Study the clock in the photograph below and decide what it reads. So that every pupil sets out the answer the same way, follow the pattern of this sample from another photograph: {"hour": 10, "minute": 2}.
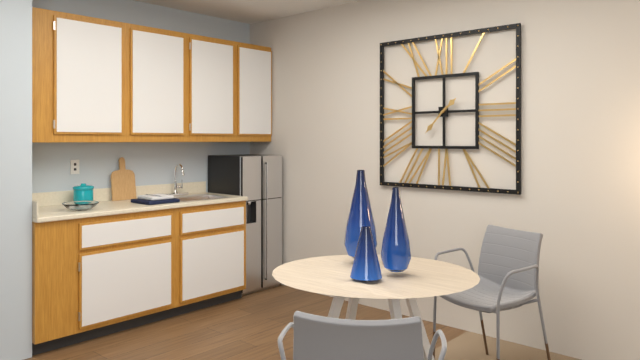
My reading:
{"hour": 1, "minute": 37}
